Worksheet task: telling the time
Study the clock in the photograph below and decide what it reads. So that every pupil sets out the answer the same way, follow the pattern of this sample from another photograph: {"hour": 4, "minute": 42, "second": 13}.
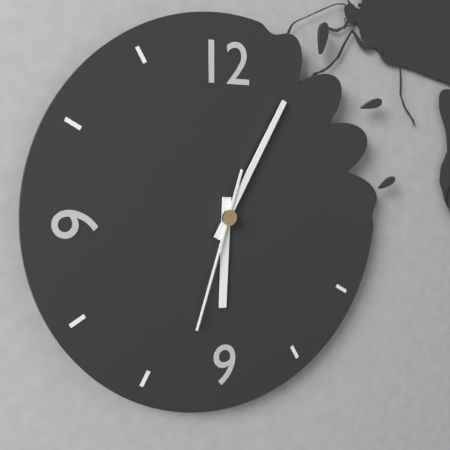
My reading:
{"hour": 6, "minute": 5, "second": 33}
